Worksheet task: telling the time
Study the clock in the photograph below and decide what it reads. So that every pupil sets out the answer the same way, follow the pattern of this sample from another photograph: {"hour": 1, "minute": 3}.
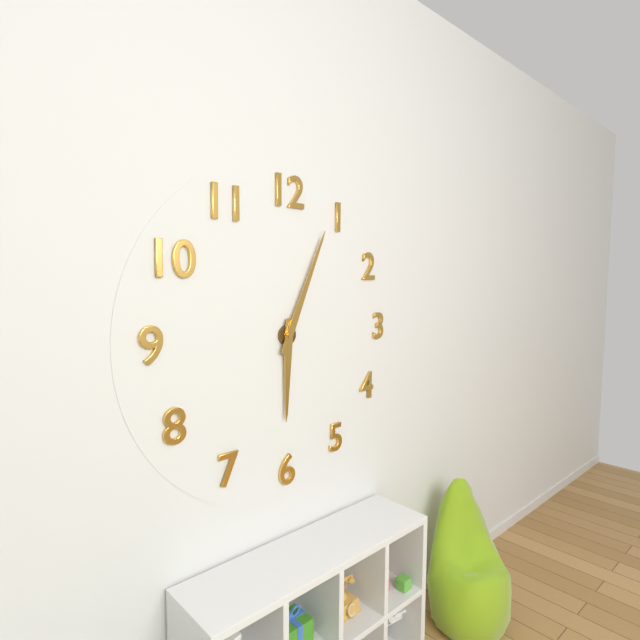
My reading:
{"hour": 6, "minute": 4}
